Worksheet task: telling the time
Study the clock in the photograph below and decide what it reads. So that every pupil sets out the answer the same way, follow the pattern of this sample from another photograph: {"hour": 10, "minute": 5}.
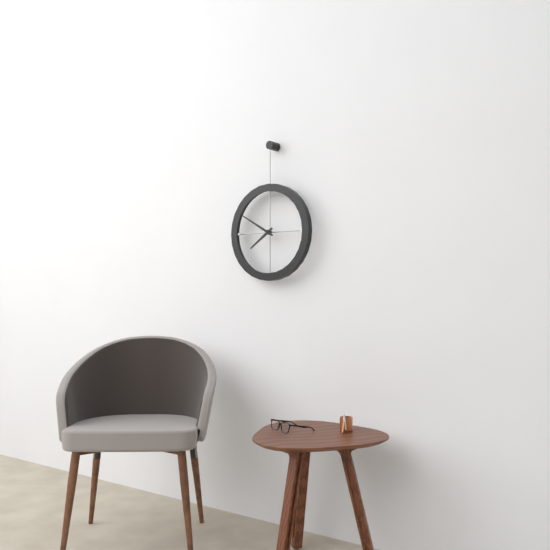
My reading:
{"hour": 7, "minute": 50}
